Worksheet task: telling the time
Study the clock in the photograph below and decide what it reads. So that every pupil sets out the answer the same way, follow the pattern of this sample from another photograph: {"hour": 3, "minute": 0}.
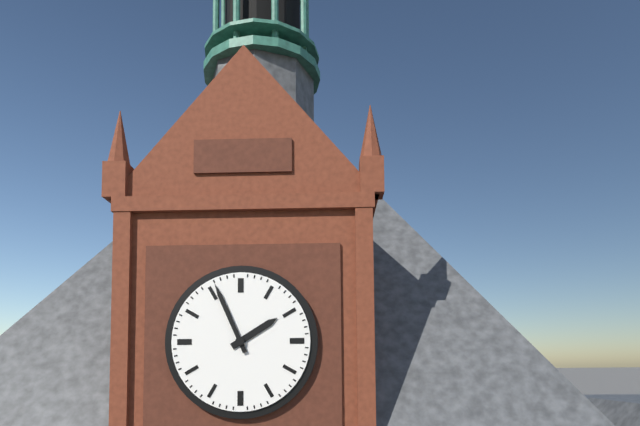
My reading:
{"hour": 1, "minute": 56}
